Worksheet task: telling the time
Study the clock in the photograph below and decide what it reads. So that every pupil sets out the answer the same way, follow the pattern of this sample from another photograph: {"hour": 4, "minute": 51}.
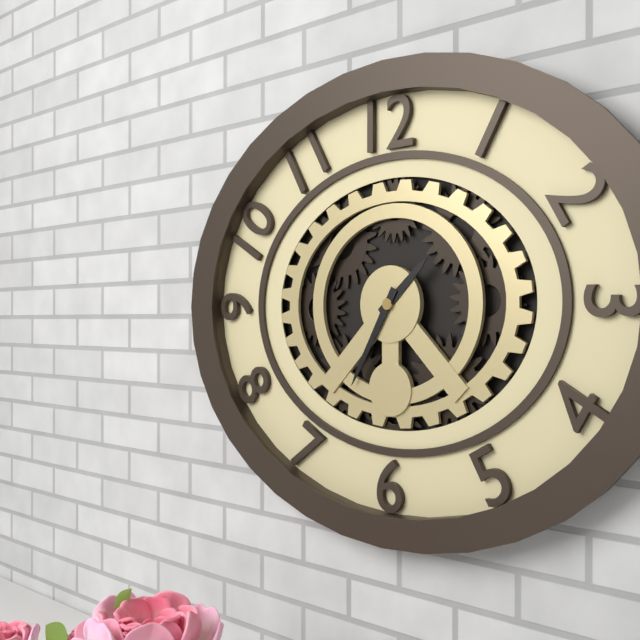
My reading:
{"hour": 1, "minute": 35}
